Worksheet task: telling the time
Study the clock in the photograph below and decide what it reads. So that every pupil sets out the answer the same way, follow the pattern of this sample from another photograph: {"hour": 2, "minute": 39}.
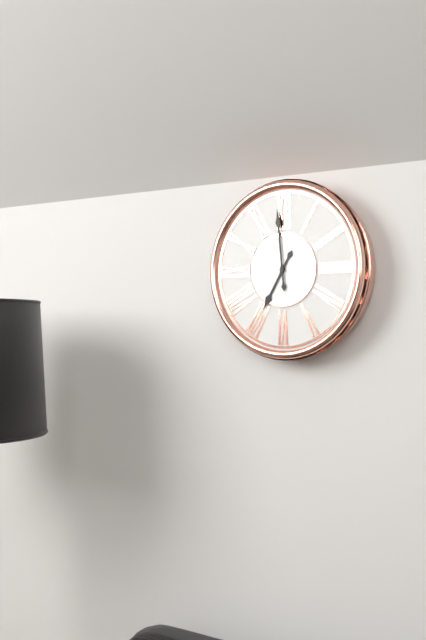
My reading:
{"hour": 6, "minute": 59}
